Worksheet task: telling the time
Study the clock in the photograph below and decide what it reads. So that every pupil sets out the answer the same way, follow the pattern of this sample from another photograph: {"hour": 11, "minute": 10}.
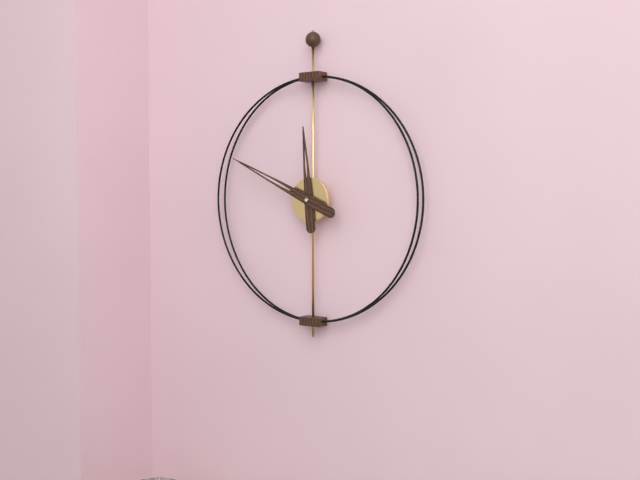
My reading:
{"hour": 11, "minute": 49}
